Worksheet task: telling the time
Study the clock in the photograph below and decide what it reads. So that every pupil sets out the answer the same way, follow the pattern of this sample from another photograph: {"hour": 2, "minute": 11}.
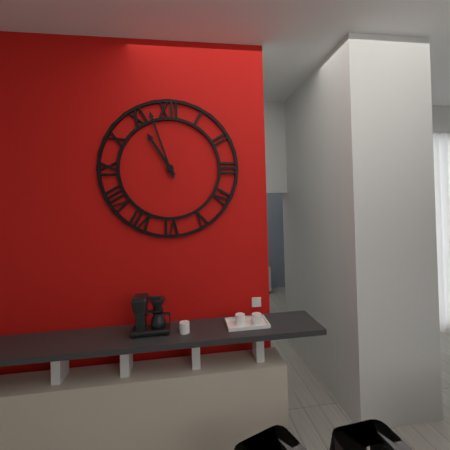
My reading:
{"hour": 10, "minute": 57}
